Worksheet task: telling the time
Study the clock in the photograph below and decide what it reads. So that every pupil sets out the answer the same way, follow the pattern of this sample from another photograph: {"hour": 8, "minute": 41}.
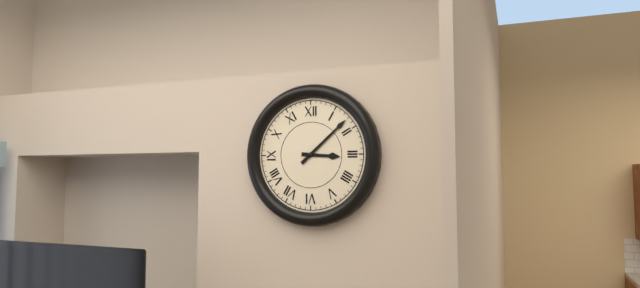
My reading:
{"hour": 3, "minute": 8}
